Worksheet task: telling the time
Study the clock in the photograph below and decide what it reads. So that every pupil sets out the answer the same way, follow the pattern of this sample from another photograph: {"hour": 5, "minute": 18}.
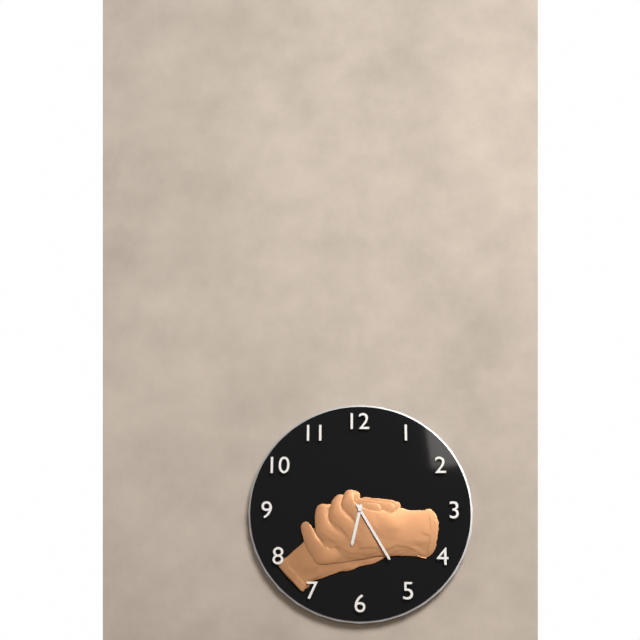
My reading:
{"hour": 6, "minute": 25}
